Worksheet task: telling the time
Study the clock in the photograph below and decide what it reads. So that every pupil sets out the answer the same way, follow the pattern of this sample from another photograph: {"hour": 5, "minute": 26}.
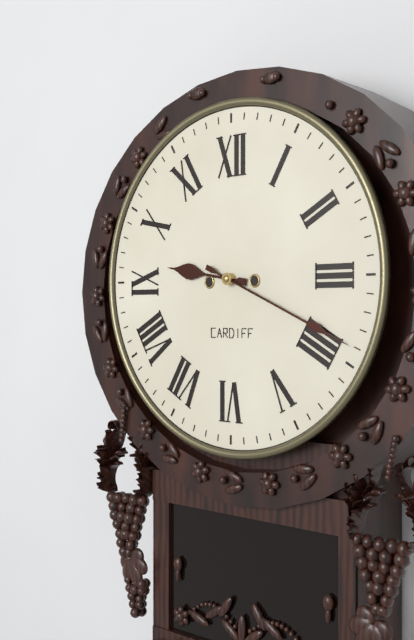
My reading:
{"hour": 9, "minute": 19}
